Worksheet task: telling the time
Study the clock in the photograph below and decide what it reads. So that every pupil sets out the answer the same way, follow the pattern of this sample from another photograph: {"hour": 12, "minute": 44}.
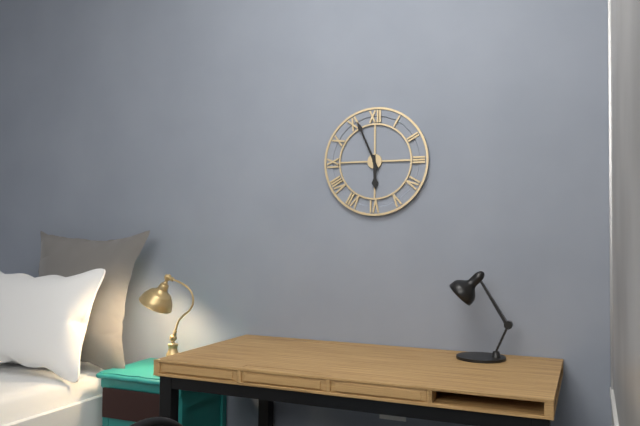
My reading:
{"hour": 5, "minute": 56}
